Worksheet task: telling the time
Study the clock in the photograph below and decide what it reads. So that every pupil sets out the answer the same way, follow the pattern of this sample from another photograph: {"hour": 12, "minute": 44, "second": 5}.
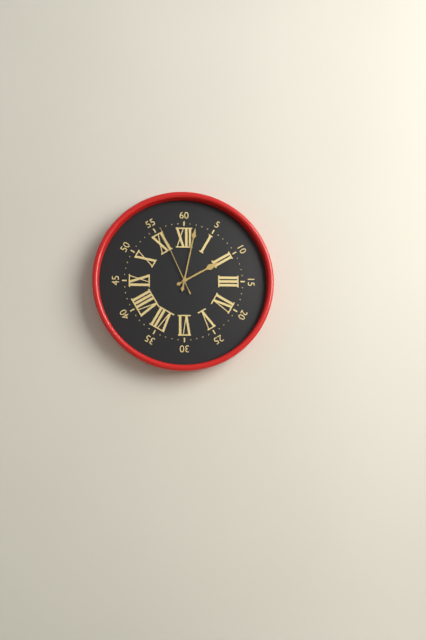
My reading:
{"hour": 2, "minute": 2, "second": 56}
